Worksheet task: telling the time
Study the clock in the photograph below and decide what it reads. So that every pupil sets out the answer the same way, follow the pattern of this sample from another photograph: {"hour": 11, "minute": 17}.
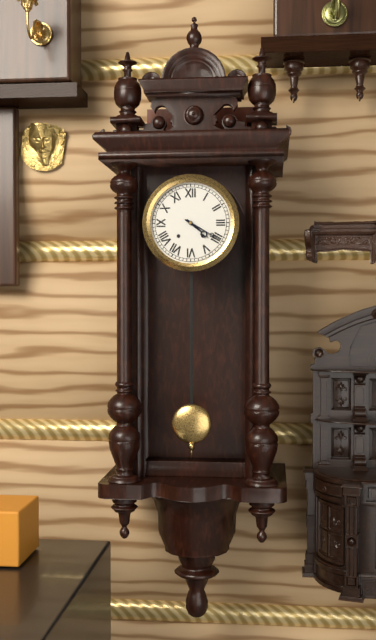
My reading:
{"hour": 4, "minute": 20}
